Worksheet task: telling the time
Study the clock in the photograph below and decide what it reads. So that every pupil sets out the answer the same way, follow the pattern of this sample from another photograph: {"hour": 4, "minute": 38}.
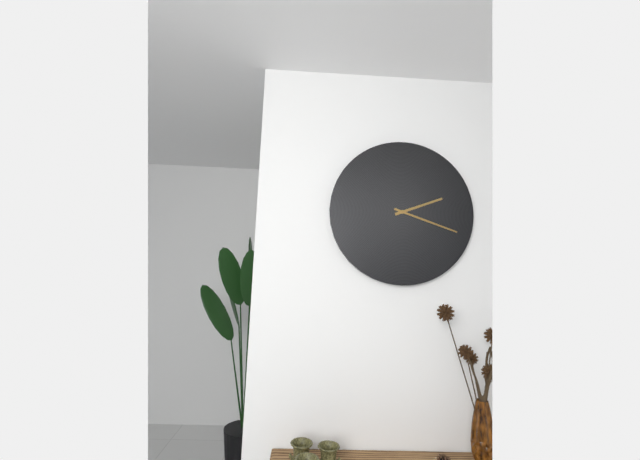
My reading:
{"hour": 2, "minute": 18}
